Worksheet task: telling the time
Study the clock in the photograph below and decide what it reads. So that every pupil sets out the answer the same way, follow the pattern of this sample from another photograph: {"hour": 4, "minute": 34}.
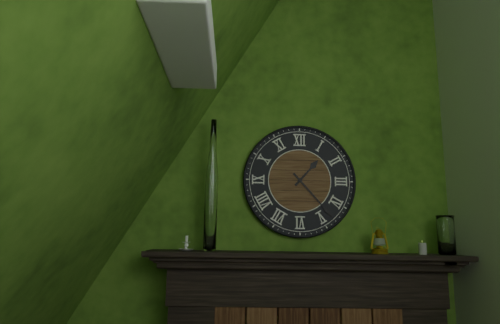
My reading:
{"hour": 1, "minute": 23}
